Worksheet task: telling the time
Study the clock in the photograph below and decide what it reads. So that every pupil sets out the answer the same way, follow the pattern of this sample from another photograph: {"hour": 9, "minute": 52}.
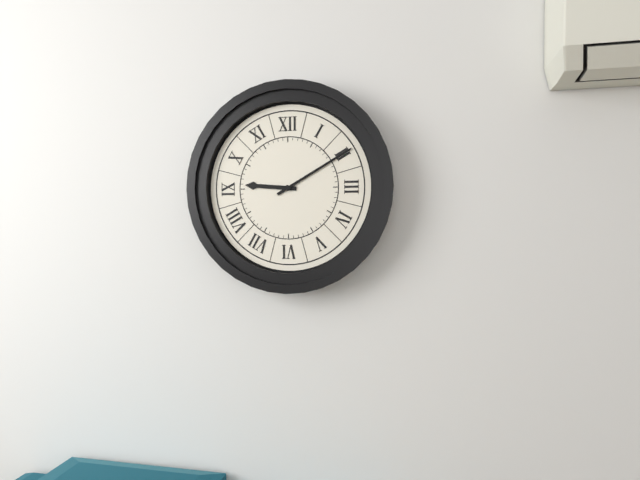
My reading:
{"hour": 9, "minute": 10}
